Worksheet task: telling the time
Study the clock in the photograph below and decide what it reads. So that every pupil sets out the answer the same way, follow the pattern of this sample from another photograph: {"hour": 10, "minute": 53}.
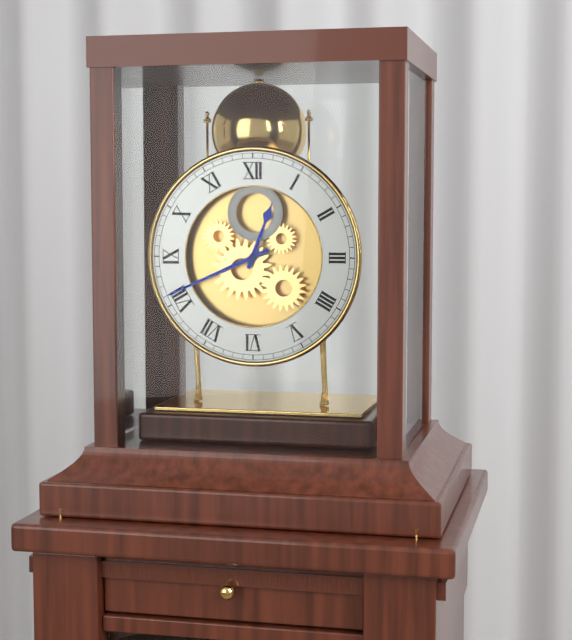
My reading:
{"hour": 12, "minute": 41}
